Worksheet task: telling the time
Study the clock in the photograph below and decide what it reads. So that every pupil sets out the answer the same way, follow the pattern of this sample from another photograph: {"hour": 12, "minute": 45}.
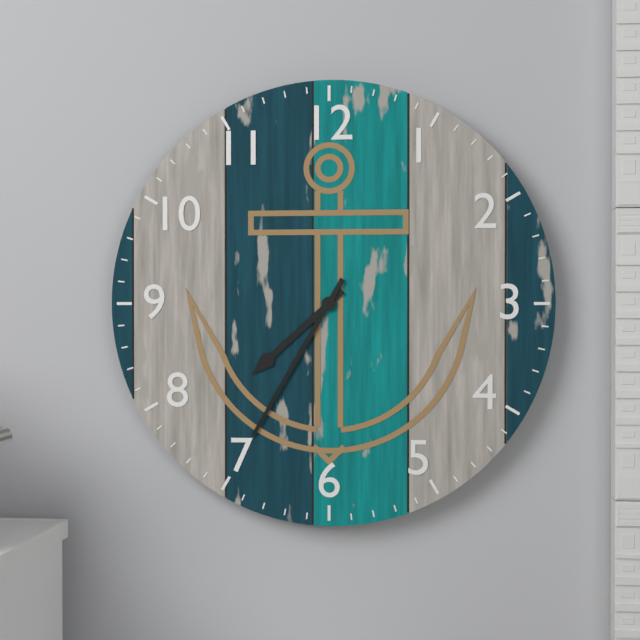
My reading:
{"hour": 7, "minute": 35}
